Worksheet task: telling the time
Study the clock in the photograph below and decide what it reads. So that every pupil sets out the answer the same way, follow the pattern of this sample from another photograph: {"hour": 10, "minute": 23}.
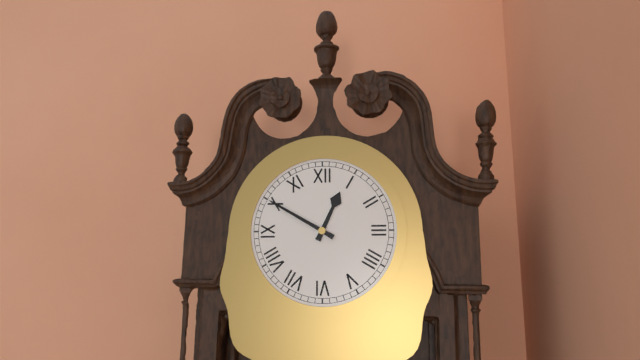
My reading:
{"hour": 12, "minute": 50}
